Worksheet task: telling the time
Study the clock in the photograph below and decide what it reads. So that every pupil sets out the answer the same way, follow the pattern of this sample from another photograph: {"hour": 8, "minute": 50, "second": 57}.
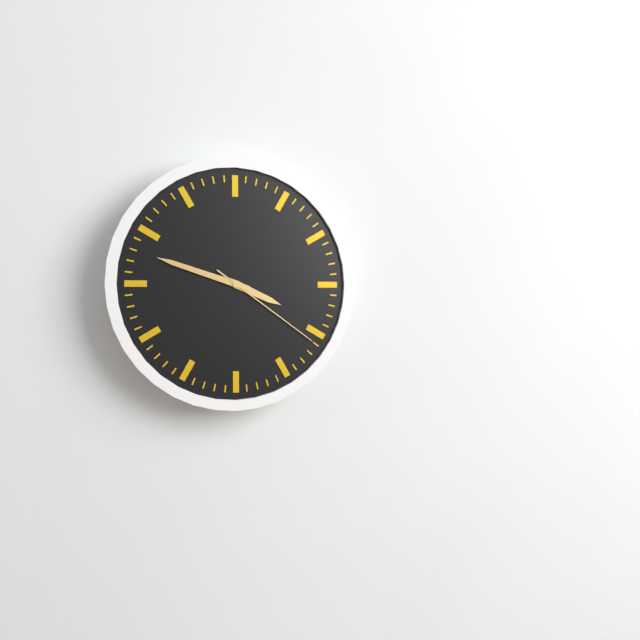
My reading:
{"hour": 3, "minute": 48, "second": 21}
